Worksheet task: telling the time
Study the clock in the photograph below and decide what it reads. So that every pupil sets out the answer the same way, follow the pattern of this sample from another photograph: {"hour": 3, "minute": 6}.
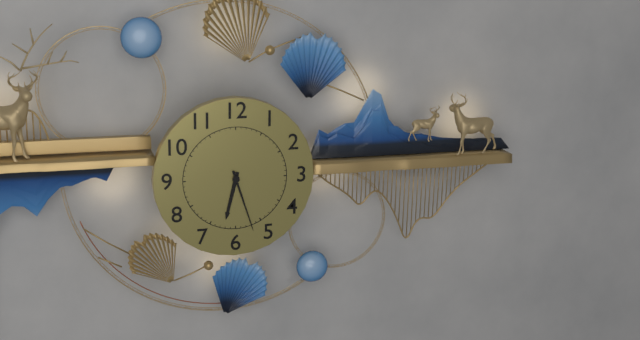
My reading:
{"hour": 6, "minute": 27}
